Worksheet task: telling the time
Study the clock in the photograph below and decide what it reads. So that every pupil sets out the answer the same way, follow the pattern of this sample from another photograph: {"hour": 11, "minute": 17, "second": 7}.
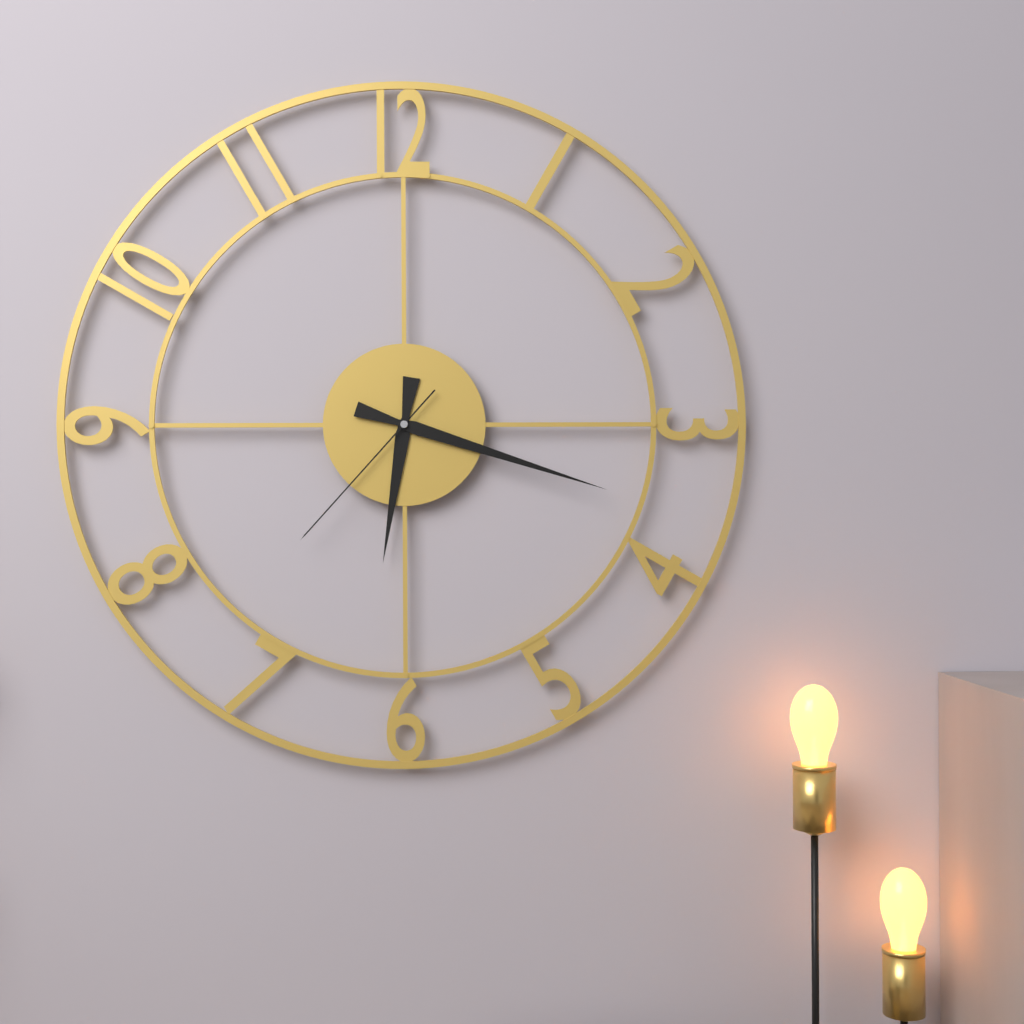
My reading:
{"hour": 6, "minute": 18, "second": 37}
